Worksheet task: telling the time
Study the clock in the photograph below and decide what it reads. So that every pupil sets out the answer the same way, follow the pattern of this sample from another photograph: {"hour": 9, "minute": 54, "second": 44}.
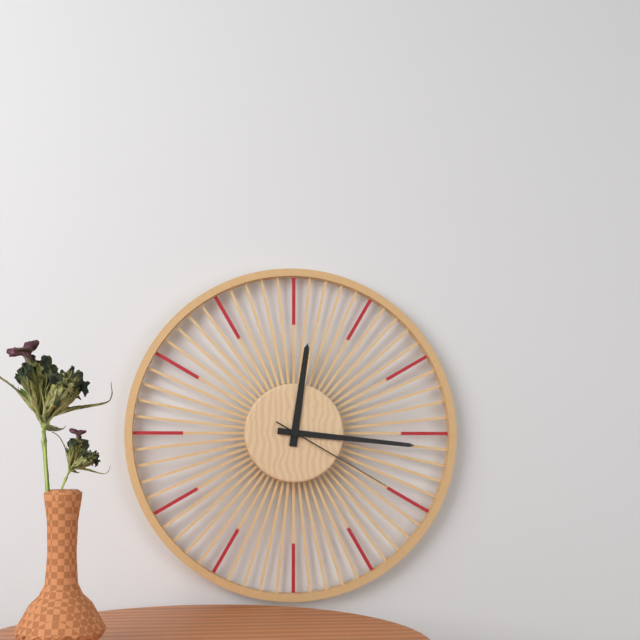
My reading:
{"hour": 12, "minute": 16, "second": 20}
